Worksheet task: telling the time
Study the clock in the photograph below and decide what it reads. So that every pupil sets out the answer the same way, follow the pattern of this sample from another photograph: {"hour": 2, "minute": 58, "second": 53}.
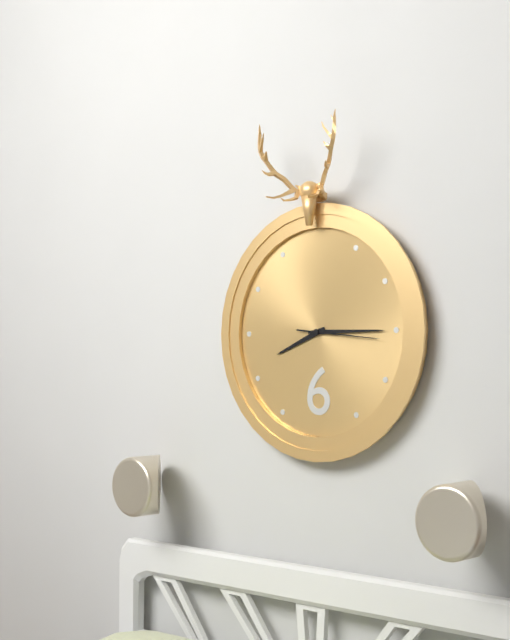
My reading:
{"hour": 8, "minute": 15, "second": 16}
